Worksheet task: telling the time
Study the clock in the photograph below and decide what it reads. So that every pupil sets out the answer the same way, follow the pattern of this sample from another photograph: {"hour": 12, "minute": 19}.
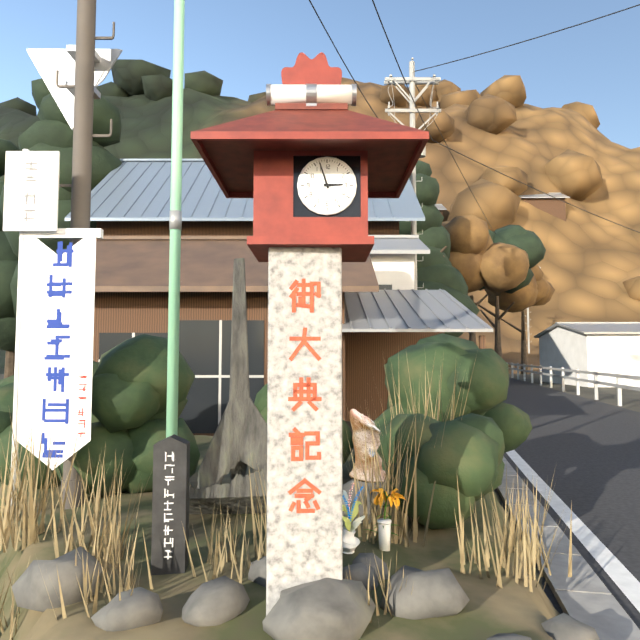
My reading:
{"hour": 2, "minute": 57}
